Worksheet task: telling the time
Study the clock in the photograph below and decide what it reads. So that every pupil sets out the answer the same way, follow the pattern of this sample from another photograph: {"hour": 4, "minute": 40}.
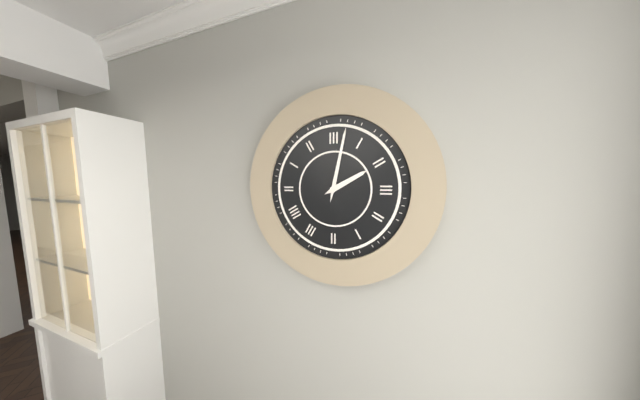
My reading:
{"hour": 2, "minute": 2}
